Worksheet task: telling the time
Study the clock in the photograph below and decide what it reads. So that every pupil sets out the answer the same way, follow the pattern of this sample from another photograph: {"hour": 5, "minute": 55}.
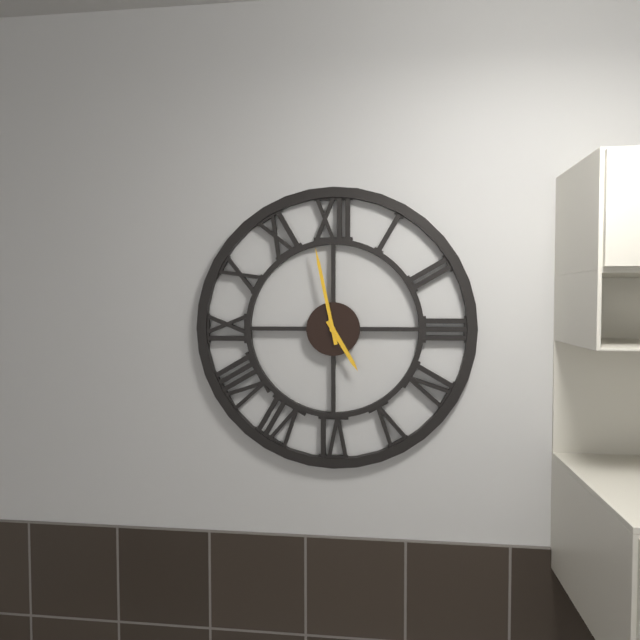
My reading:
{"hour": 4, "minute": 58}
